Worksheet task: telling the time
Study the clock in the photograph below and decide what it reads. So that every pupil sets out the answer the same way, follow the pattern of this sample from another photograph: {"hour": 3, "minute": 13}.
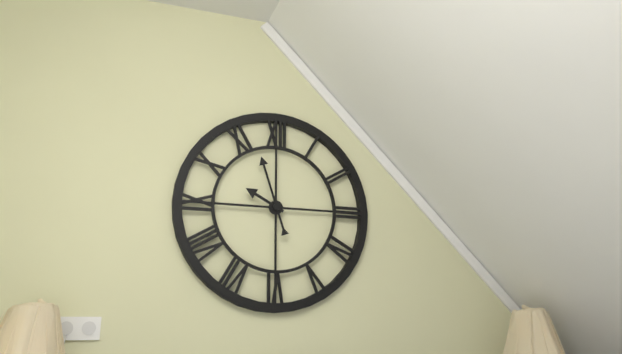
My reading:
{"hour": 9, "minute": 57}
